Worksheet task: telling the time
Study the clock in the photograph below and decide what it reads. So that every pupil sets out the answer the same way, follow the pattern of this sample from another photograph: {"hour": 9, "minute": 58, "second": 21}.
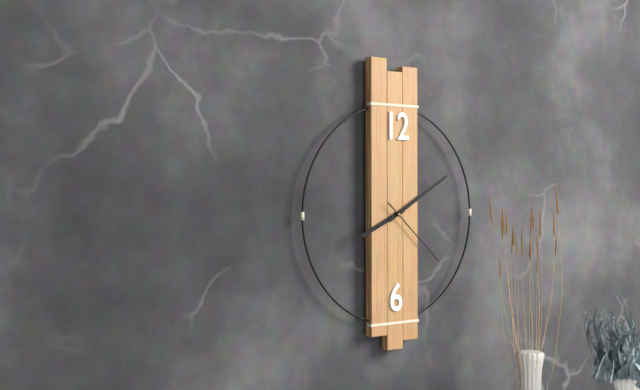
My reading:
{"hour": 8, "minute": 10, "second": 22}
